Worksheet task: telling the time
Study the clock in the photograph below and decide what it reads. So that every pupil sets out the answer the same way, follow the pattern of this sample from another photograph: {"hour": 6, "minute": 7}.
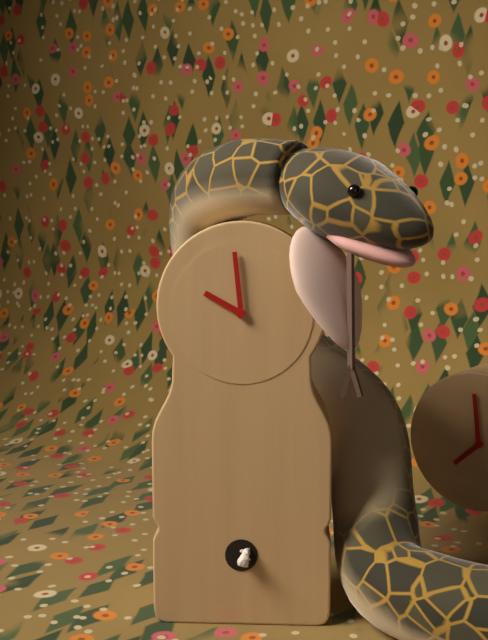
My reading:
{"hour": 9, "minute": 59}
